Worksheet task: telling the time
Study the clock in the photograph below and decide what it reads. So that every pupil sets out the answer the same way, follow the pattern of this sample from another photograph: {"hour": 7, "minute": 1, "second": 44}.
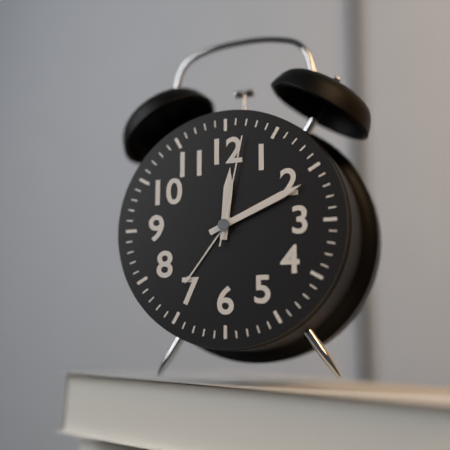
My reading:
{"hour": 12, "minute": 11, "second": 2}
